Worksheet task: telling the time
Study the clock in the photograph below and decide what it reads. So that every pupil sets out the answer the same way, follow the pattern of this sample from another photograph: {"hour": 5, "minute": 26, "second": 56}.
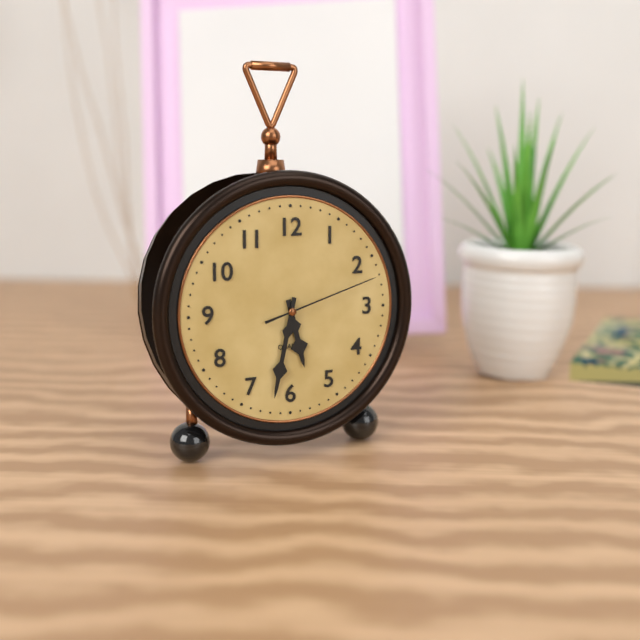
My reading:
{"hour": 5, "minute": 32, "second": 12}
